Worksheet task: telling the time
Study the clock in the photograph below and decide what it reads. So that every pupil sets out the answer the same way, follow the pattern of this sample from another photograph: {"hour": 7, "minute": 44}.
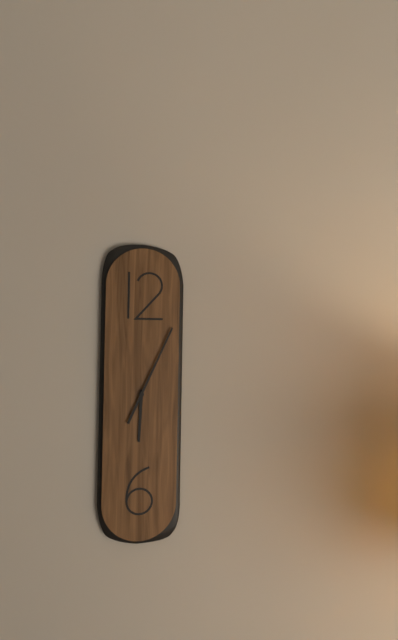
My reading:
{"hour": 6, "minute": 4}
